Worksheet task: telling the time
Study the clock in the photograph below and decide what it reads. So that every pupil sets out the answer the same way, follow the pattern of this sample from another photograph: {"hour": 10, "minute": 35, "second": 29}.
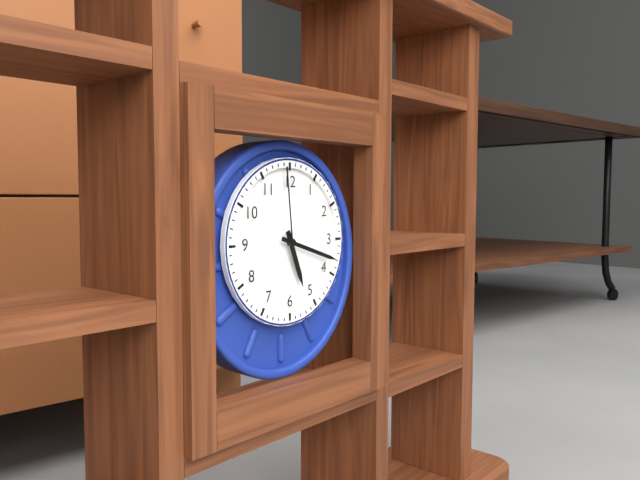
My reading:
{"hour": 5, "minute": 18, "second": 59}
